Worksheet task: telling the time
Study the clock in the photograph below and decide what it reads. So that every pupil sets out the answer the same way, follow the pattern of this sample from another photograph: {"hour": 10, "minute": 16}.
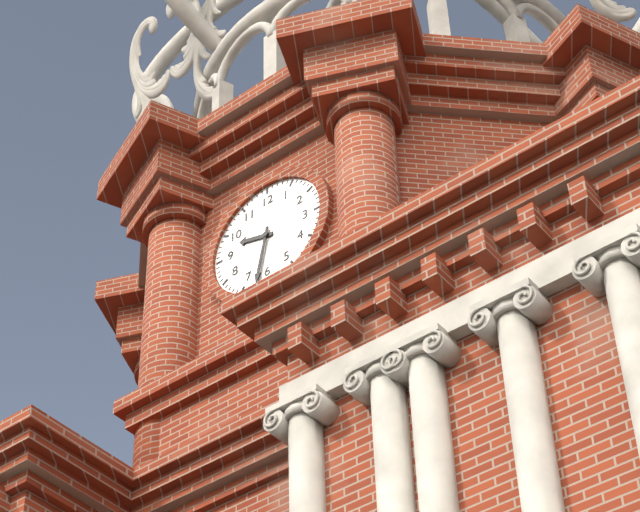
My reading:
{"hour": 9, "minute": 32}
